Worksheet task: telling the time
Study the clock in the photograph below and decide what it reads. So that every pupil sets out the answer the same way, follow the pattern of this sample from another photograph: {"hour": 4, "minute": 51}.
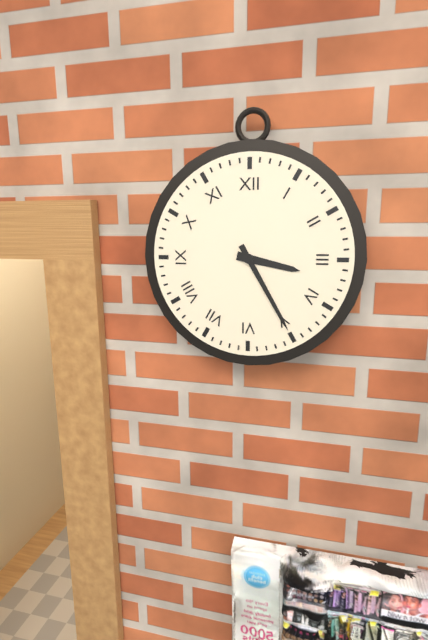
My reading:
{"hour": 3, "minute": 25}
